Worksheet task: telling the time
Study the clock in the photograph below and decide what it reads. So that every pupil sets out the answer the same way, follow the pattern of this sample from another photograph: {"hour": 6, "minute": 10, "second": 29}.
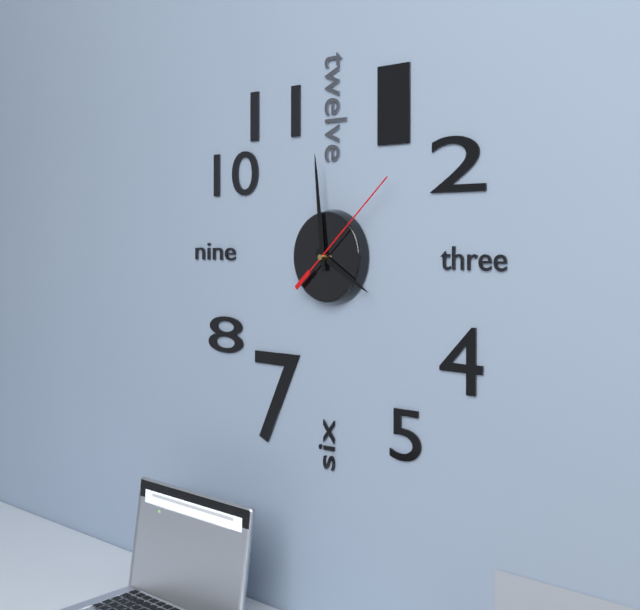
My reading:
{"hour": 3, "minute": 59, "second": 8}
